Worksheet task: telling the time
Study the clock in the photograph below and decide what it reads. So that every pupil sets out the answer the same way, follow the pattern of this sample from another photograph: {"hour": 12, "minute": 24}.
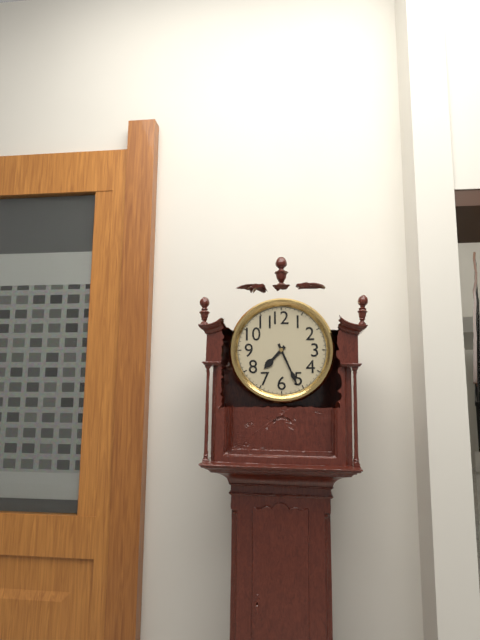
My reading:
{"hour": 7, "minute": 26}
